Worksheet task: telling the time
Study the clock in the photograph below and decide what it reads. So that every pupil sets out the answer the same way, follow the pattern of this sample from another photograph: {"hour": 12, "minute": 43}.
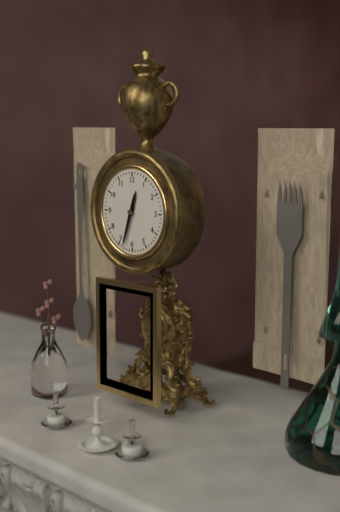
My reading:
{"hour": 12, "minute": 33}
